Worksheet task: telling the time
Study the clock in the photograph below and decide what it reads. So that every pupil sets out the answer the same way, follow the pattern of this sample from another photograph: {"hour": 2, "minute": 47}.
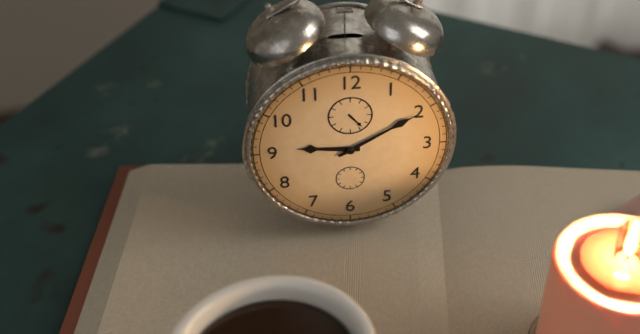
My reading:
{"hour": 9, "minute": 10}
